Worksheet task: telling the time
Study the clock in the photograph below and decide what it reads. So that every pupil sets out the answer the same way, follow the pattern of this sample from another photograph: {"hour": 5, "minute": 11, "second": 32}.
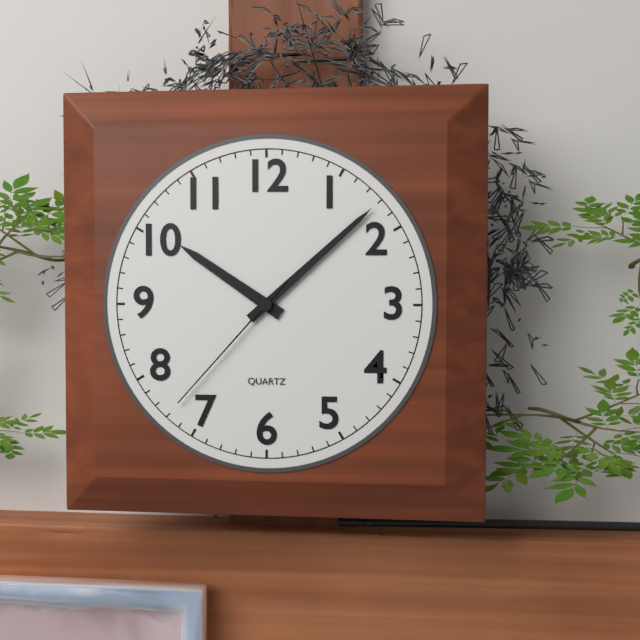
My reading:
{"hour": 10, "minute": 8, "second": 37}
